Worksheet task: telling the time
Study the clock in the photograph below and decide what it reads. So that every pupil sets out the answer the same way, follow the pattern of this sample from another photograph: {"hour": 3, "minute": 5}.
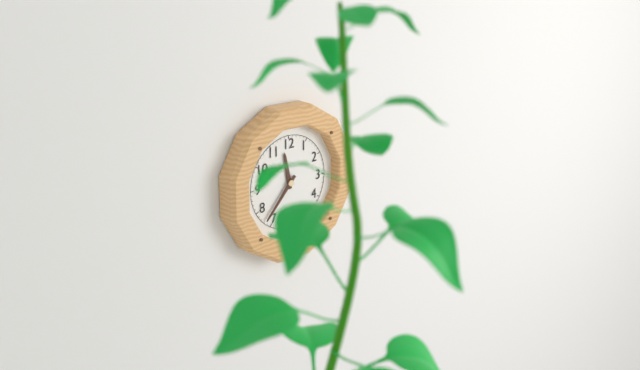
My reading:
{"hour": 11, "minute": 37}
